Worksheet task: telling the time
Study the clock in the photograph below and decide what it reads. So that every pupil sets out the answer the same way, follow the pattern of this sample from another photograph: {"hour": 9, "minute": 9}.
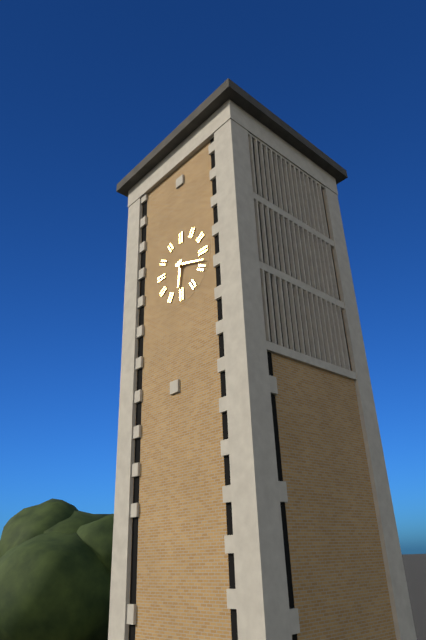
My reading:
{"hour": 6, "minute": 18}
